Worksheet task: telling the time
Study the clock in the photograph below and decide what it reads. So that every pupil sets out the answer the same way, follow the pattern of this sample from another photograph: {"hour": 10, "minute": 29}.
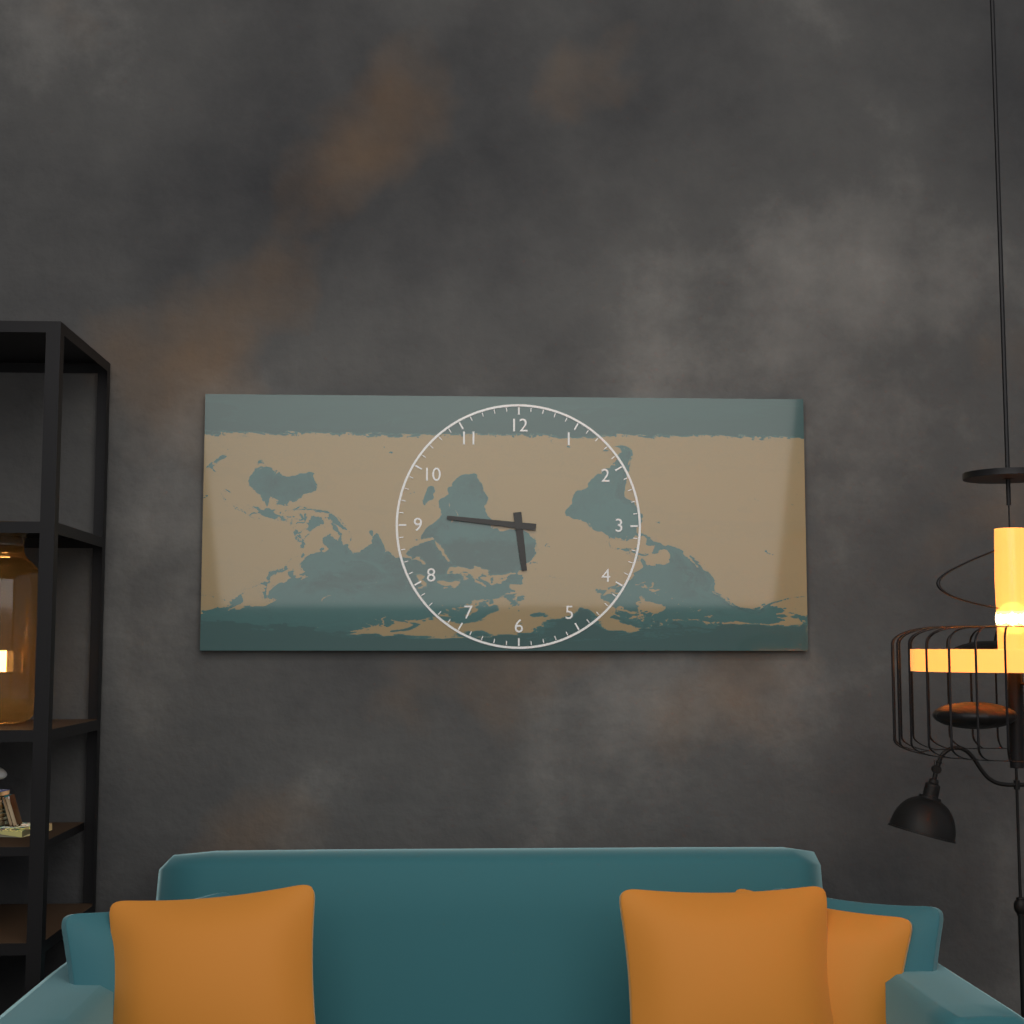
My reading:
{"hour": 5, "minute": 46}
